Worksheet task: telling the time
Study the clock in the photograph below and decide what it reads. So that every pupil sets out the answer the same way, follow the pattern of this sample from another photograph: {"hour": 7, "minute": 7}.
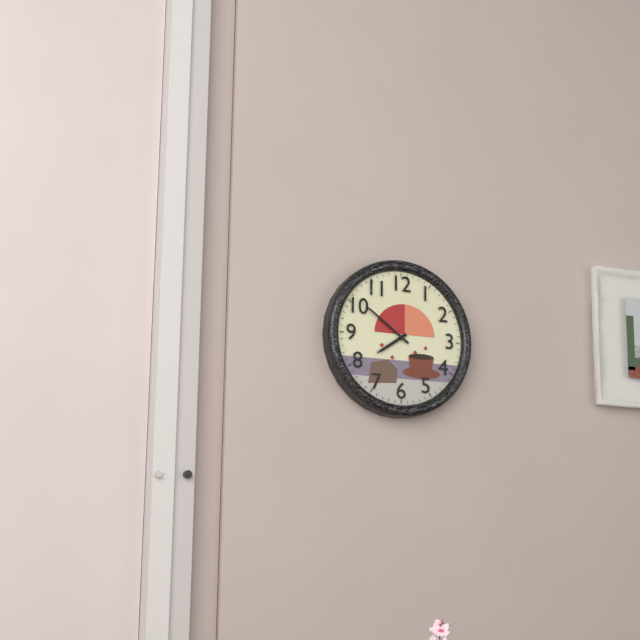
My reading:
{"hour": 7, "minute": 51}
